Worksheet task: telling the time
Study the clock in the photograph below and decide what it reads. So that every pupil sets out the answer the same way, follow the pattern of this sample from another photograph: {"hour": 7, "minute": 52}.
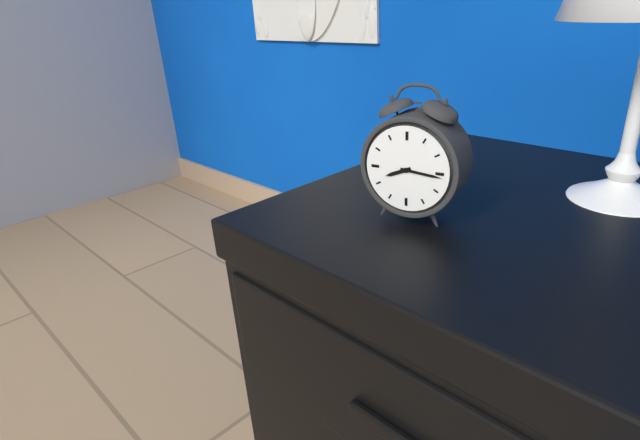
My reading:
{"hour": 8, "minute": 16}
